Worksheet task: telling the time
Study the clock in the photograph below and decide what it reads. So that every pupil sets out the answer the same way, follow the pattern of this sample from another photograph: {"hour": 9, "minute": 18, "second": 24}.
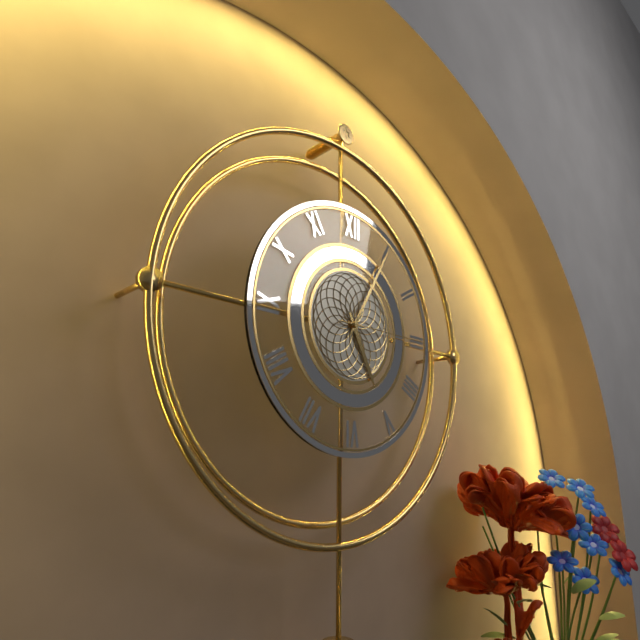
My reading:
{"hour": 5, "minute": 5, "second": 15}
